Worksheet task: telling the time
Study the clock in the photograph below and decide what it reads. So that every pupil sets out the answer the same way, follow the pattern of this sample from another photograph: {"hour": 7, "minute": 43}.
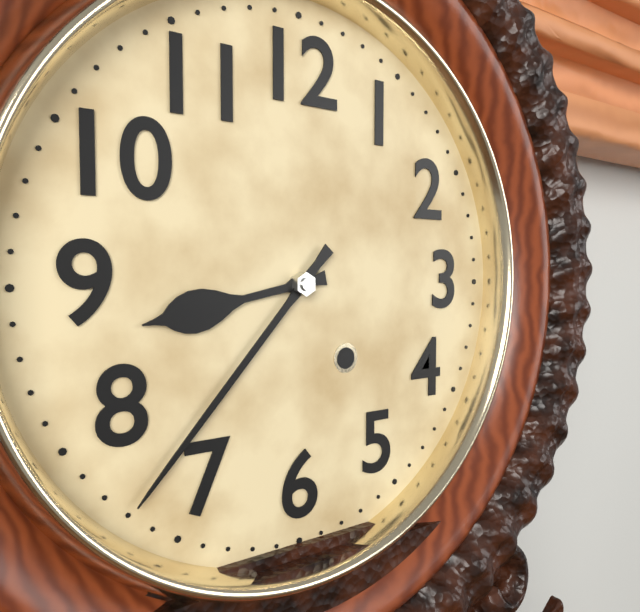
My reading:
{"hour": 8, "minute": 37}
